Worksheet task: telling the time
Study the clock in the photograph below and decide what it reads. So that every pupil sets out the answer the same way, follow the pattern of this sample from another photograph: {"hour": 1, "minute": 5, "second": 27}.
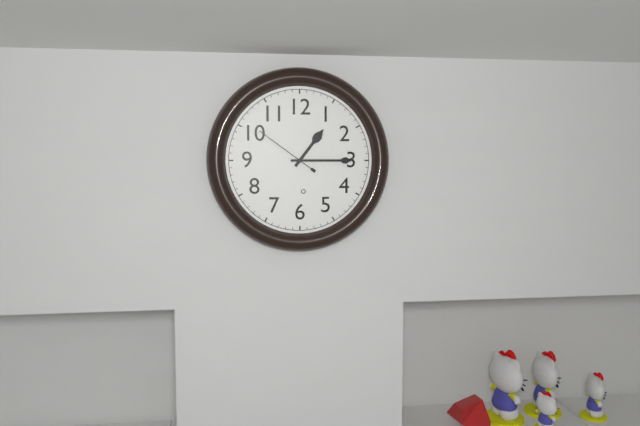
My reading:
{"hour": 1, "minute": 15, "second": 51}
